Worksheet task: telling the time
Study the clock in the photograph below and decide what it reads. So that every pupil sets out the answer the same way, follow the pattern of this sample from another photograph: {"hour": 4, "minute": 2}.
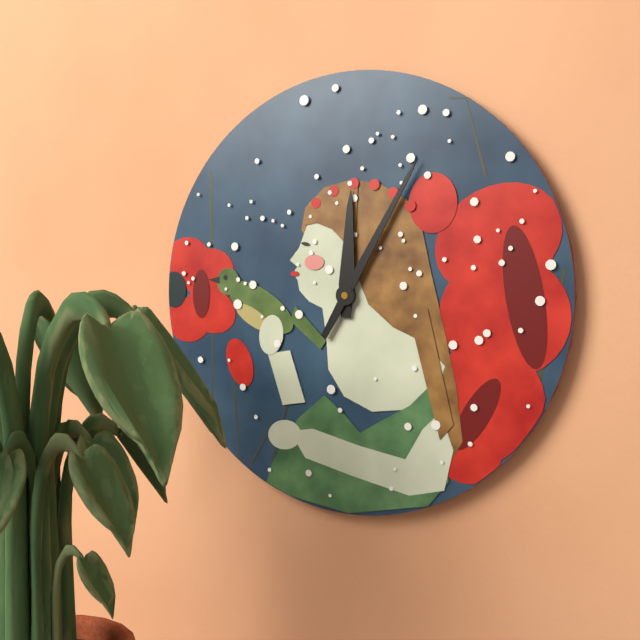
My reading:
{"hour": 12, "minute": 5}
